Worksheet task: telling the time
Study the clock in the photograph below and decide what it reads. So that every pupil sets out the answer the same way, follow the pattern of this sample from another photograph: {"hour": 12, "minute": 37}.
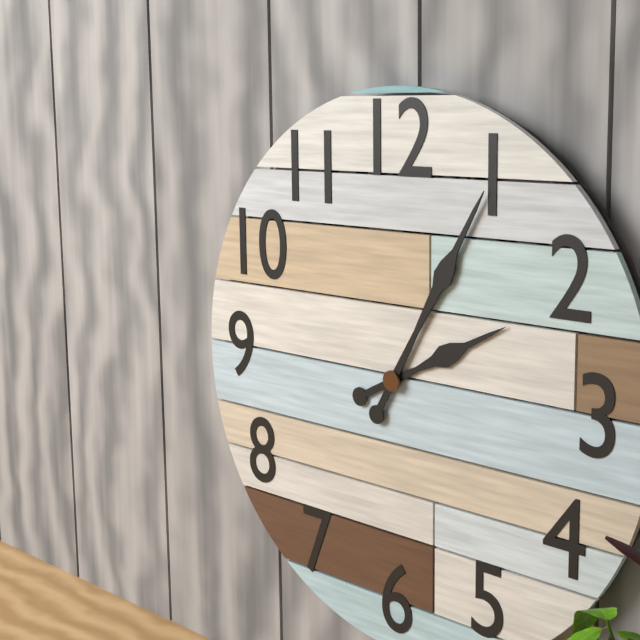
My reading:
{"hour": 2, "minute": 5}
